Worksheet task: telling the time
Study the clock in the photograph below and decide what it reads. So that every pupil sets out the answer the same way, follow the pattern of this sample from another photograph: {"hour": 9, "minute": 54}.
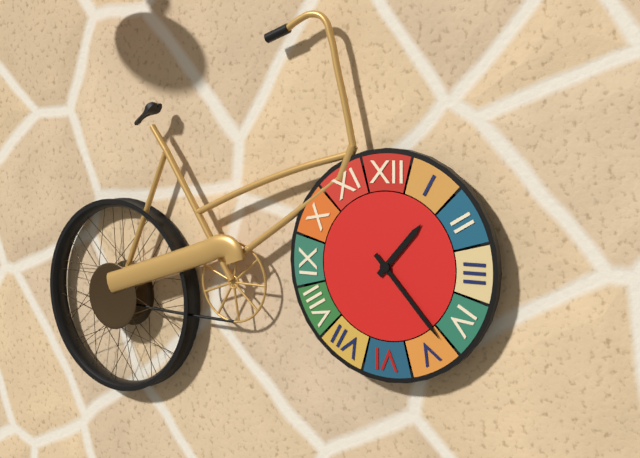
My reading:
{"hour": 1, "minute": 23}
